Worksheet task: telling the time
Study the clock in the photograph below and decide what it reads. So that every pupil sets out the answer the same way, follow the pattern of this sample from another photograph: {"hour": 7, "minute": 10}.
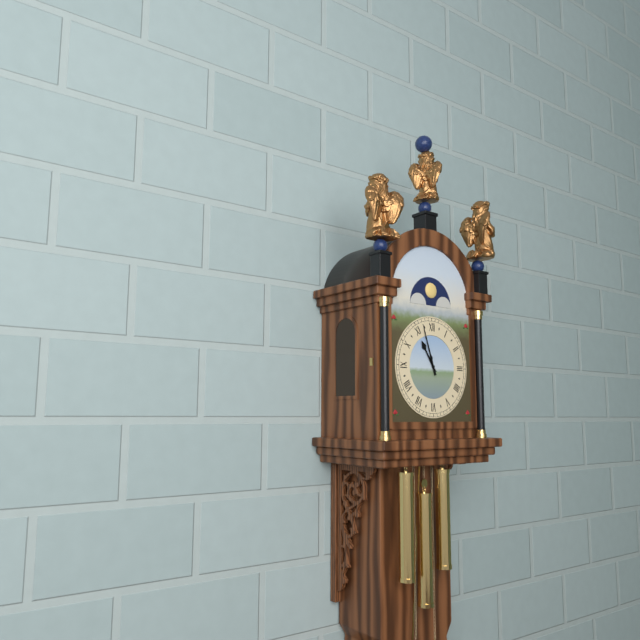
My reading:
{"hour": 10, "minute": 57}
